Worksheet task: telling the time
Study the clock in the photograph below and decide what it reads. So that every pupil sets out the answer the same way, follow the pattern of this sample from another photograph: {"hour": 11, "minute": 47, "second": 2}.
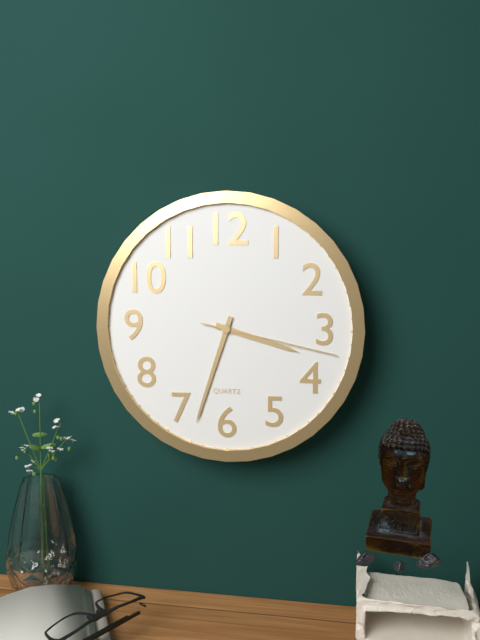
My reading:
{"hour": 3, "minute": 33, "second": 17}
